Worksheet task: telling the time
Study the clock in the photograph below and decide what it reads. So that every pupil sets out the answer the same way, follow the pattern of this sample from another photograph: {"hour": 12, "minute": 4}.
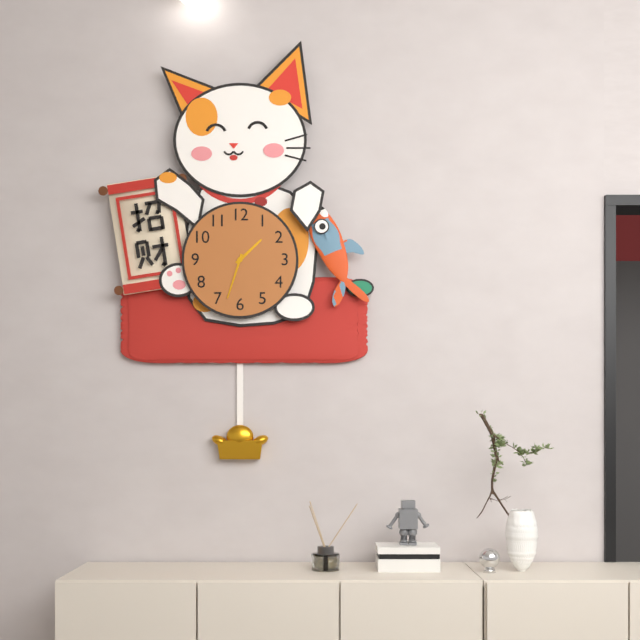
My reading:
{"hour": 1, "minute": 33}
